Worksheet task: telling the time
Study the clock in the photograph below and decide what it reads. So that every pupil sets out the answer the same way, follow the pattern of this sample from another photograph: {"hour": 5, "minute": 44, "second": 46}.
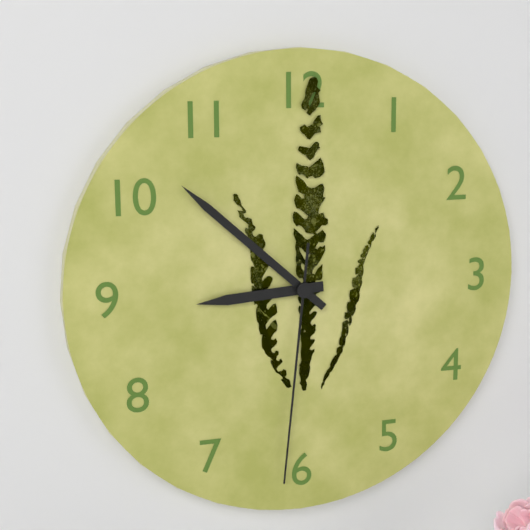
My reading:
{"hour": 8, "minute": 52, "second": 31}
